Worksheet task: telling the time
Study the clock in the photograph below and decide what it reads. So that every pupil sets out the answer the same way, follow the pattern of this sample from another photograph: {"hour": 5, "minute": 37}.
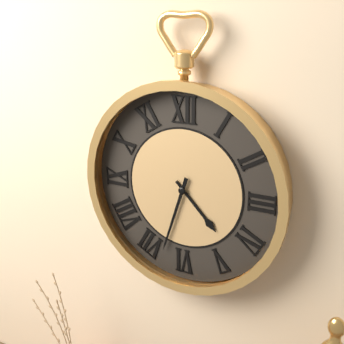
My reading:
{"hour": 4, "minute": 33}
